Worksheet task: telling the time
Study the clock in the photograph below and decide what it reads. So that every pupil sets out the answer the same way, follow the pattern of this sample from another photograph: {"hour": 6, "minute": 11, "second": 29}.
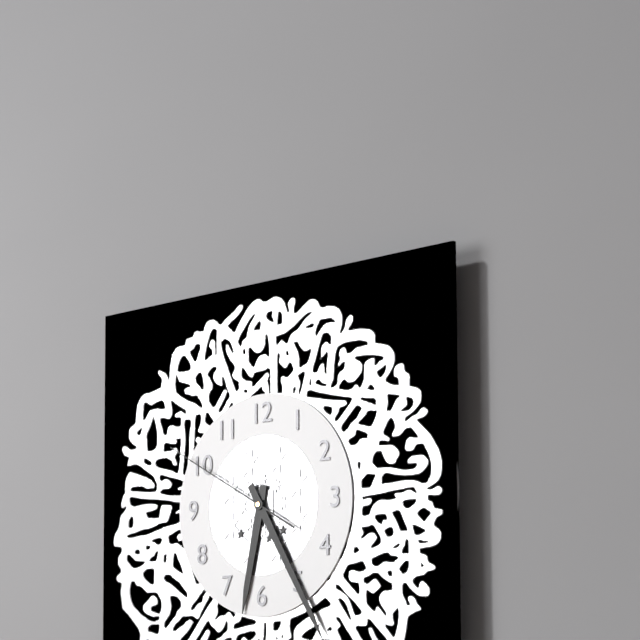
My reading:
{"hour": 6, "minute": 25, "second": 50}
